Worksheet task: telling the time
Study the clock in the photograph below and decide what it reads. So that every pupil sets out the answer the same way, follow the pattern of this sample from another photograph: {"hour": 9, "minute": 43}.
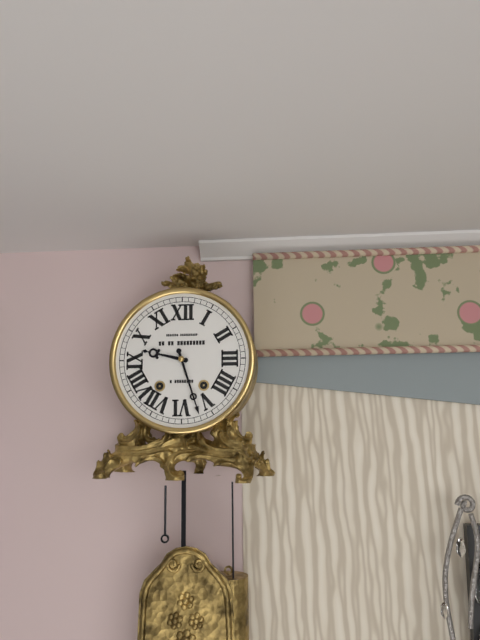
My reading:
{"hour": 9, "minute": 27}
